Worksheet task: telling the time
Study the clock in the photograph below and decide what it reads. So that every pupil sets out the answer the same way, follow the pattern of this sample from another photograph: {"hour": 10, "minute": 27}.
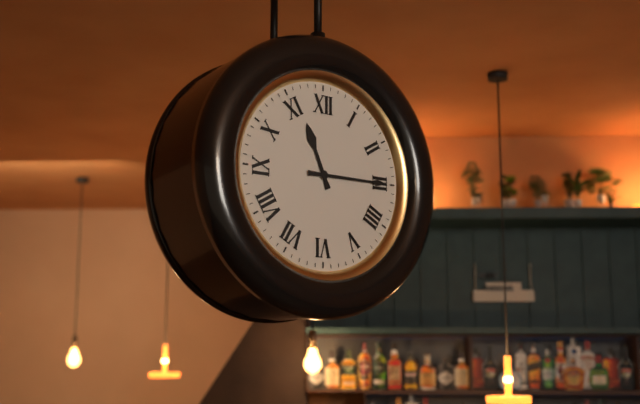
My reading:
{"hour": 11, "minute": 15}
